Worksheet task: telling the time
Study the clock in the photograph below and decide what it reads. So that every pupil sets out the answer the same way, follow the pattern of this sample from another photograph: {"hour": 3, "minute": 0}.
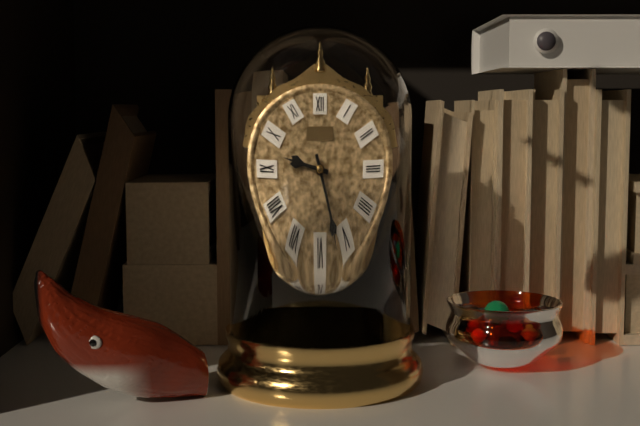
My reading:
{"hour": 9, "minute": 27}
